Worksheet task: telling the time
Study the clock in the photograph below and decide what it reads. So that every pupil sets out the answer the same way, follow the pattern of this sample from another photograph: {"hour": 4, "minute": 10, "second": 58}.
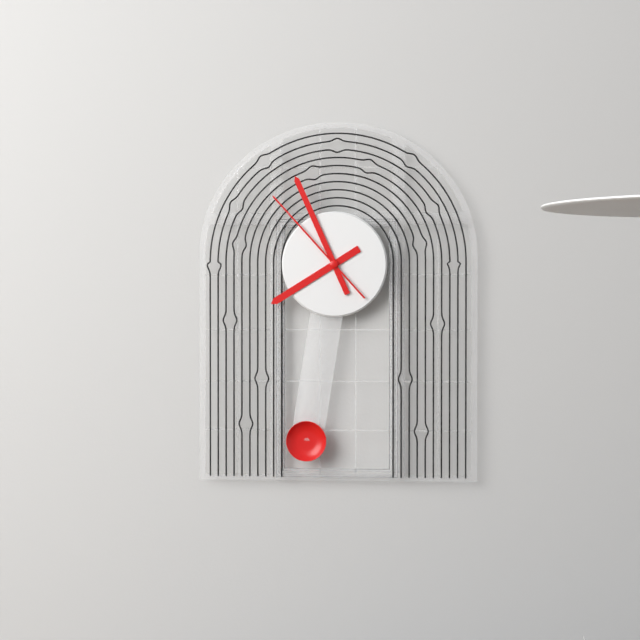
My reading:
{"hour": 7, "minute": 56, "second": 53}
